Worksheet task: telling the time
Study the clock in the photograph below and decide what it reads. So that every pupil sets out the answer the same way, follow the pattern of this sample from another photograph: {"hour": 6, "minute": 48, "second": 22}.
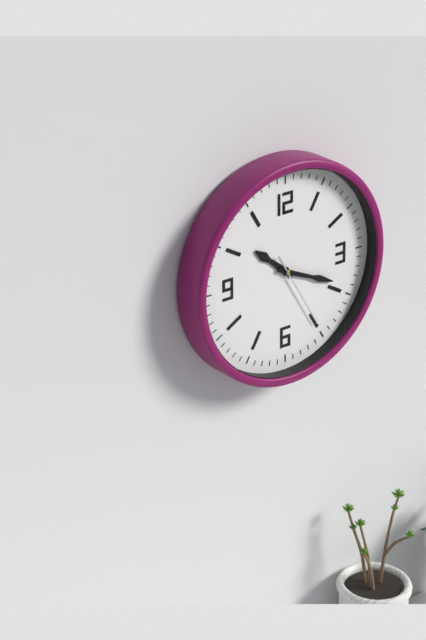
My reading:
{"hour": 10, "minute": 19, "second": 25}
